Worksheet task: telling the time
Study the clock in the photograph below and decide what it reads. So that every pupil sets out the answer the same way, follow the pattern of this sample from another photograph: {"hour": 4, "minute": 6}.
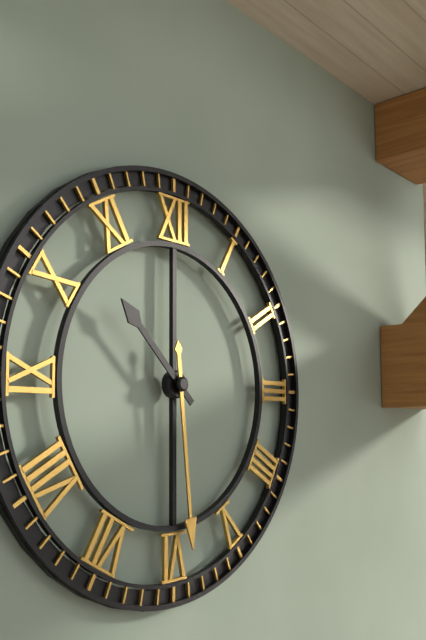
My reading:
{"hour": 10, "minute": 29}
